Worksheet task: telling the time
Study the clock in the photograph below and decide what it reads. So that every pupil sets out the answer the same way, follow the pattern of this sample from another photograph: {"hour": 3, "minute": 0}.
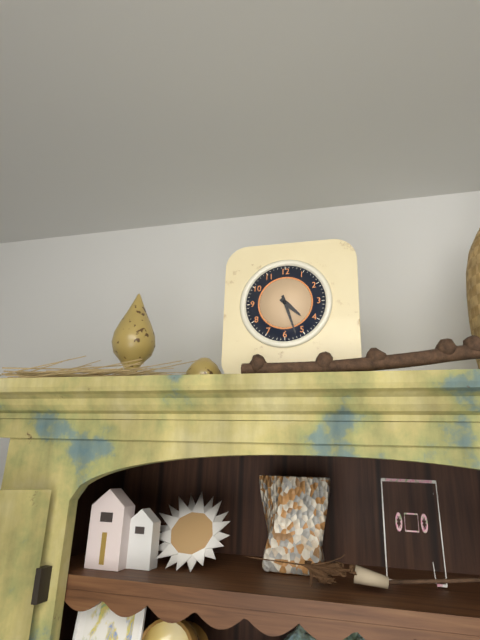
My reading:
{"hour": 4, "minute": 27}
